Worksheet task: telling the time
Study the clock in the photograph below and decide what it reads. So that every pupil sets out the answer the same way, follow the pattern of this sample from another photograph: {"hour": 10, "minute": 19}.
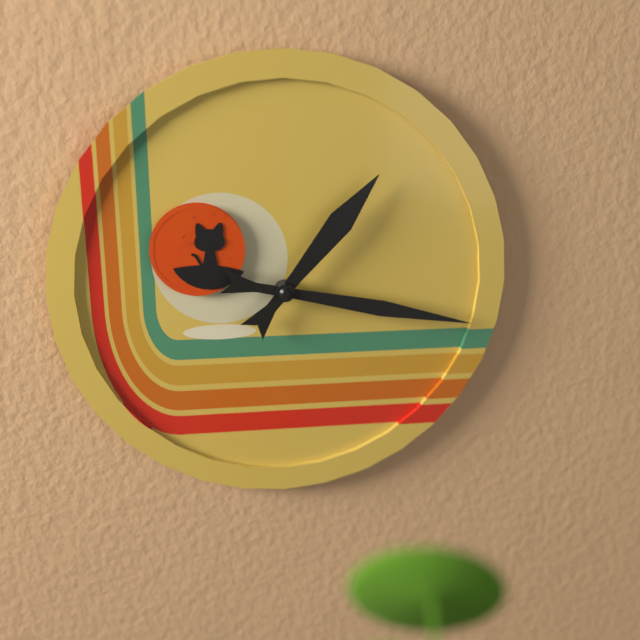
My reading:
{"hour": 1, "minute": 17}
